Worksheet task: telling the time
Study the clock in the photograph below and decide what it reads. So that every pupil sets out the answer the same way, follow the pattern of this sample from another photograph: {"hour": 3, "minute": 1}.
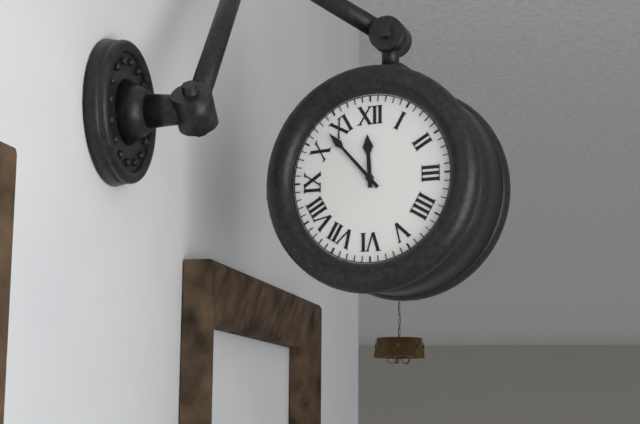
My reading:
{"hour": 11, "minute": 53}
